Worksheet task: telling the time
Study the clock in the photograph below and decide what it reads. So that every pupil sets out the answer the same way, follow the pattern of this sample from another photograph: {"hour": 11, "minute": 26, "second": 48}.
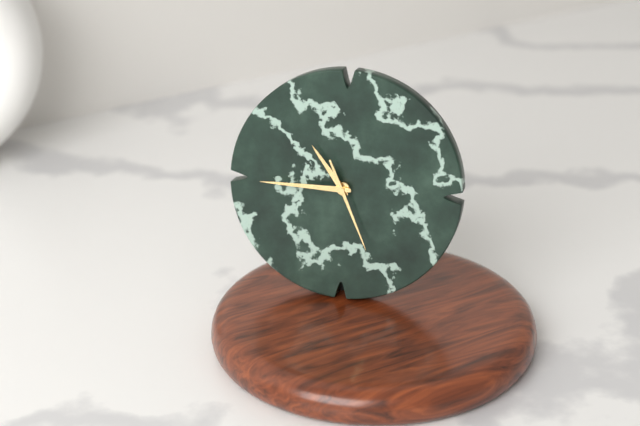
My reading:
{"hour": 10, "minute": 45, "second": 26}
